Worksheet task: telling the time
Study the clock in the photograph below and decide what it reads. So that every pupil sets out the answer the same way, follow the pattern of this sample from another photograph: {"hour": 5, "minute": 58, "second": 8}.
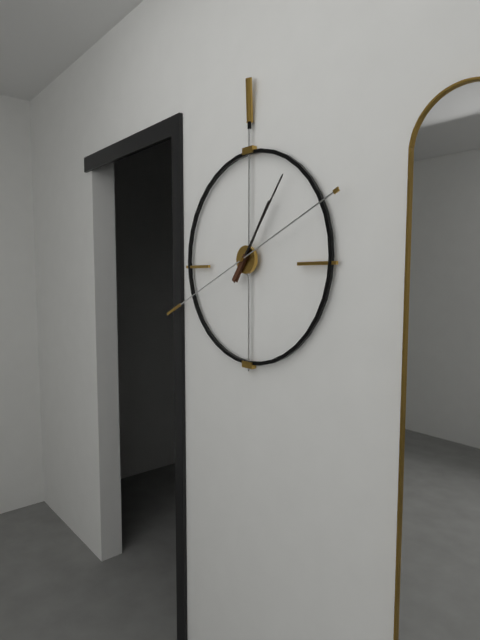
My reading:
{"hour": 1, "minute": 6, "second": 41}
